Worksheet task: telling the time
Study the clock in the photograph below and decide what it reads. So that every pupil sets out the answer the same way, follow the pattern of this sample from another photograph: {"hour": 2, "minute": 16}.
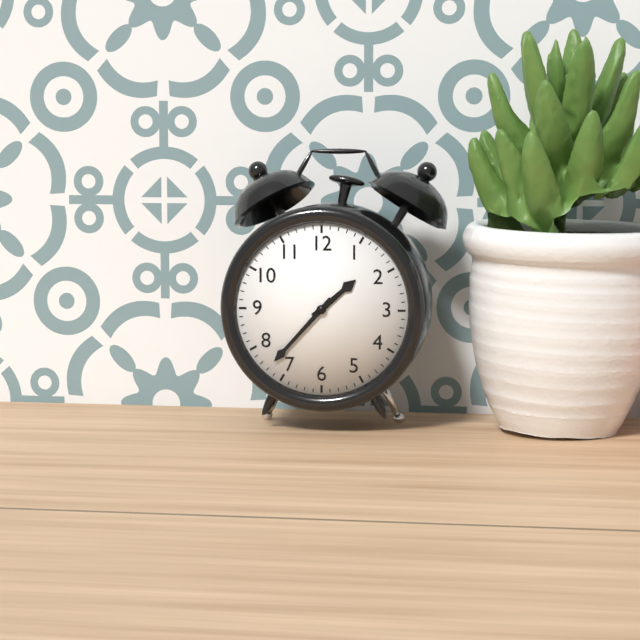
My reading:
{"hour": 1, "minute": 37}
